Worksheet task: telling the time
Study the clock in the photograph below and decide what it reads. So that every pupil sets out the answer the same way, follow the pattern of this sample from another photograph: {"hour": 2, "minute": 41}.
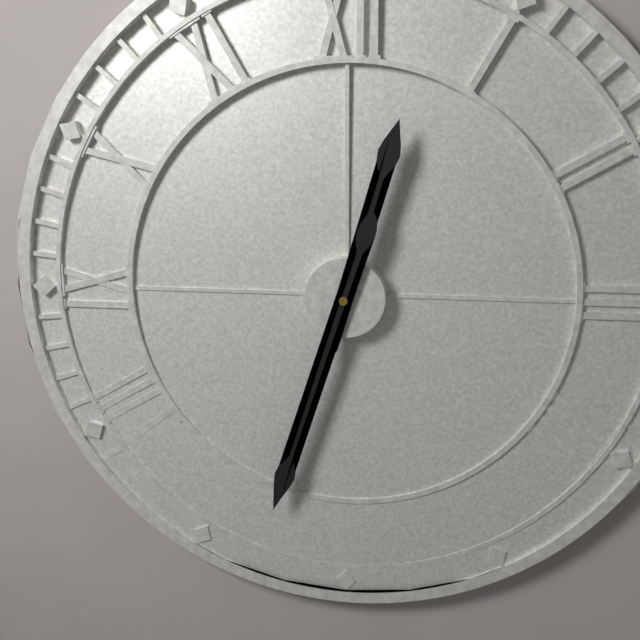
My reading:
{"hour": 12, "minute": 33}
